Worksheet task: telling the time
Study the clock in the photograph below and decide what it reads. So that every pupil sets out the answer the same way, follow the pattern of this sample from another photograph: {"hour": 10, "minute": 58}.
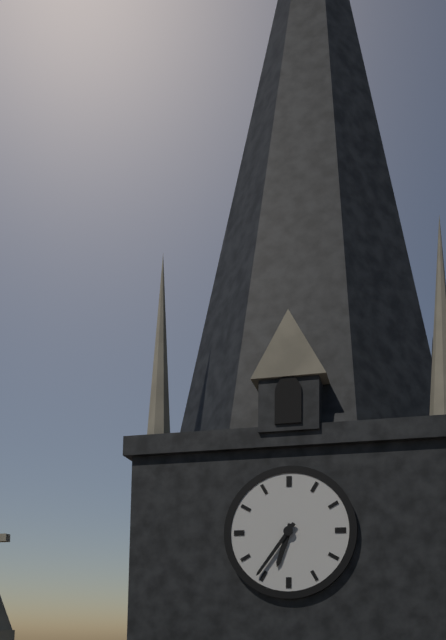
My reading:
{"hour": 6, "minute": 36}
